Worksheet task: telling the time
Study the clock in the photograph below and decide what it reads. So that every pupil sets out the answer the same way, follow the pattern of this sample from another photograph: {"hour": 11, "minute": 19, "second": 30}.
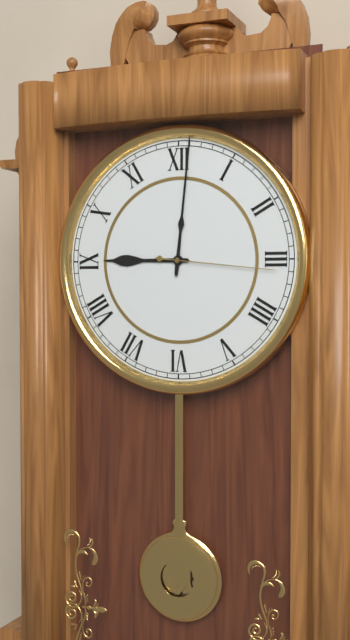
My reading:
{"hour": 9, "minute": 1, "second": 16}
